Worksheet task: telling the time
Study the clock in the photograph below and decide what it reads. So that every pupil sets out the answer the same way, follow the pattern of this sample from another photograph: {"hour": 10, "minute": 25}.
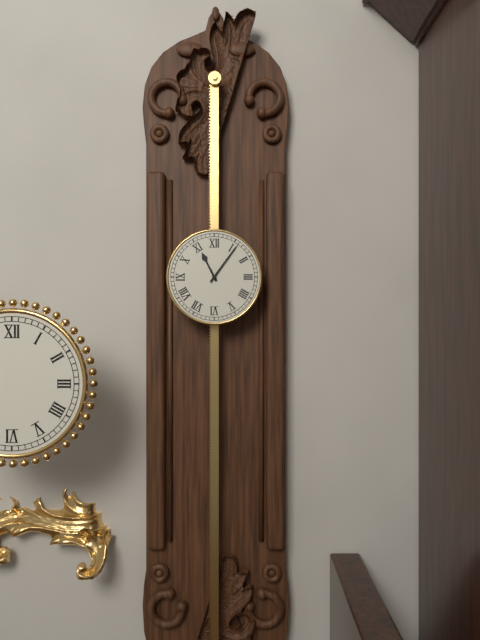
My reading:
{"hour": 11, "minute": 6}
